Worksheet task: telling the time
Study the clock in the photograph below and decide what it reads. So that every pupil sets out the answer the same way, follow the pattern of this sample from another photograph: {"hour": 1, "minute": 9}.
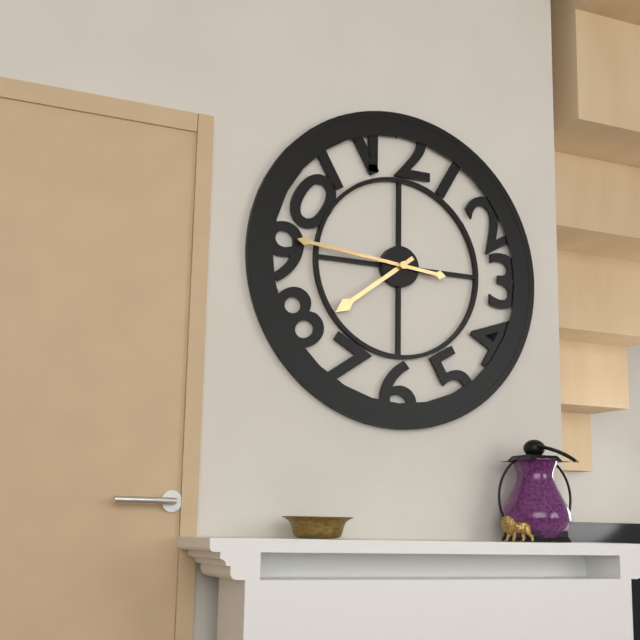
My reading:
{"hour": 7, "minute": 46}
